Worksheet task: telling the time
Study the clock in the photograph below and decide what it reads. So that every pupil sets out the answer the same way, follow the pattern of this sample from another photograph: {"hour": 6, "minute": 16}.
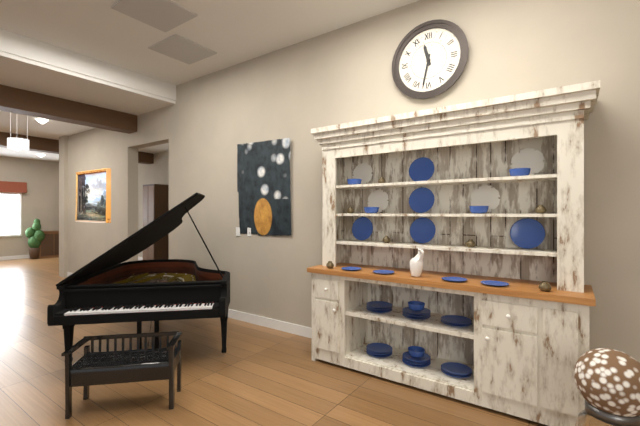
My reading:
{"hour": 11, "minute": 32}
